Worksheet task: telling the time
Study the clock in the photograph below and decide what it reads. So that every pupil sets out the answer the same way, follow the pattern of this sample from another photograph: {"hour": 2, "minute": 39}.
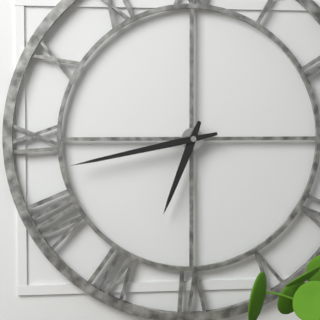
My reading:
{"hour": 6, "minute": 43}
